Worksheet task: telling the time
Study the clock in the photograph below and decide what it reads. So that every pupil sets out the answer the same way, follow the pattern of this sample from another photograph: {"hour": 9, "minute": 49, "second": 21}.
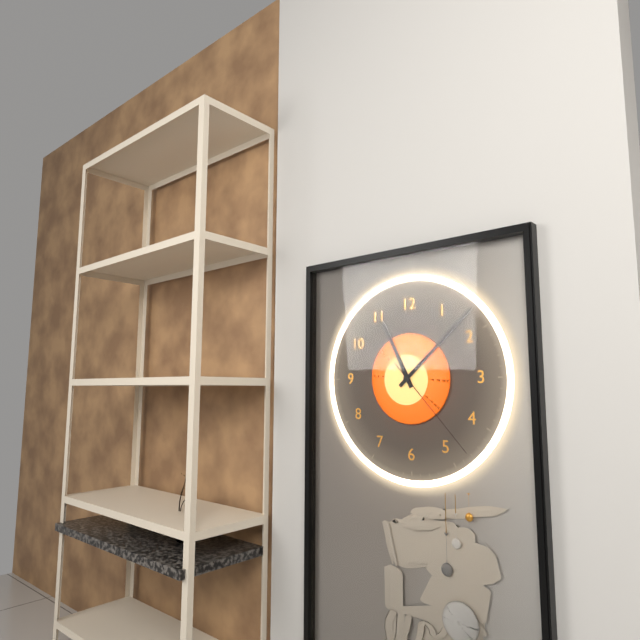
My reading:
{"hour": 11, "minute": 8, "second": 23}
